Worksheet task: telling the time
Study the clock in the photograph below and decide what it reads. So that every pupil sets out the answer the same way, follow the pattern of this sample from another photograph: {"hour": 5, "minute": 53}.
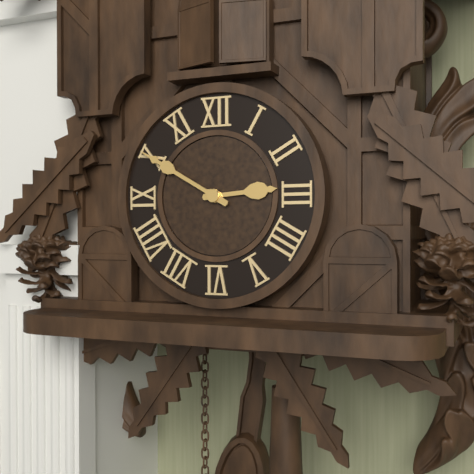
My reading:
{"hour": 2, "minute": 50}
